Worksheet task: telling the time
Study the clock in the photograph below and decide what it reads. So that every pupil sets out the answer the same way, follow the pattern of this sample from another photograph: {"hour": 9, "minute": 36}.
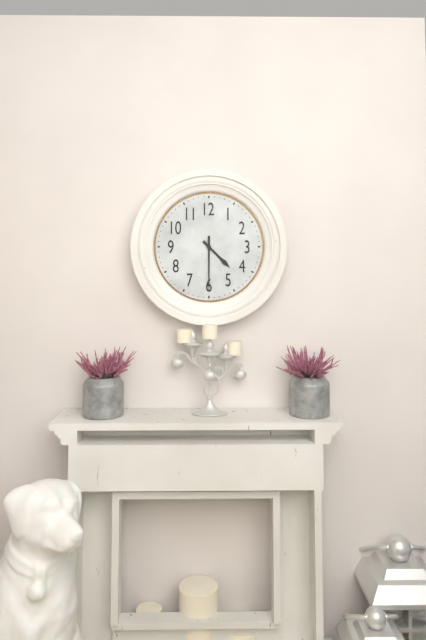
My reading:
{"hour": 4, "minute": 30}
